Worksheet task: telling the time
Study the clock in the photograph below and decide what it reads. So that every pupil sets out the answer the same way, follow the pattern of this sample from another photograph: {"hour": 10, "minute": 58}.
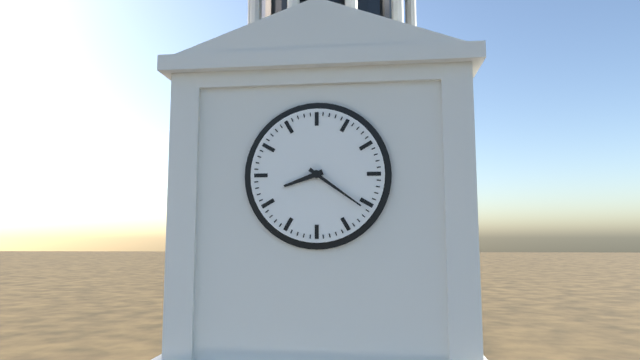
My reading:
{"hour": 8, "minute": 21}
